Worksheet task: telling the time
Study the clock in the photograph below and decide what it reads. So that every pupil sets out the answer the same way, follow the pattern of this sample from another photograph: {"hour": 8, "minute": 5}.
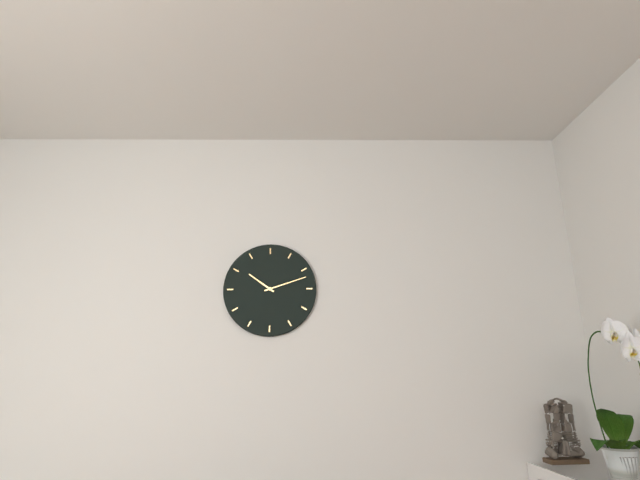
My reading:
{"hour": 10, "minute": 12}
